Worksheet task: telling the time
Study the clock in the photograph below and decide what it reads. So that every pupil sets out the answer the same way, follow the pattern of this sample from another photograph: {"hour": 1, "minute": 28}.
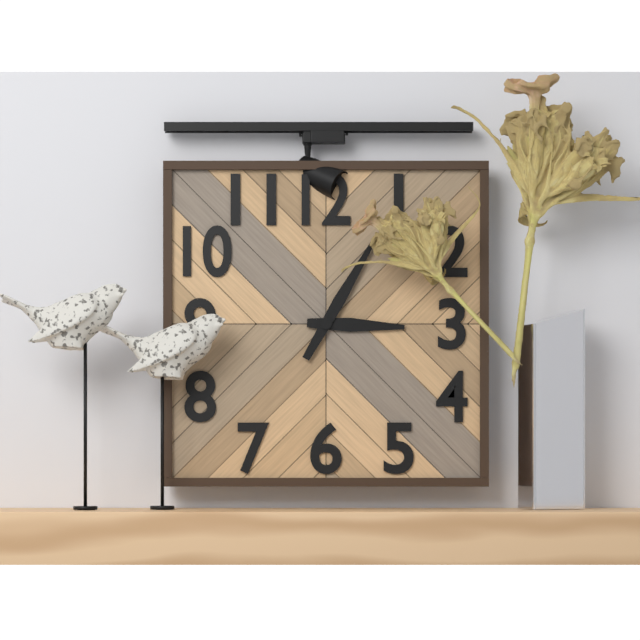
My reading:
{"hour": 3, "minute": 5}
